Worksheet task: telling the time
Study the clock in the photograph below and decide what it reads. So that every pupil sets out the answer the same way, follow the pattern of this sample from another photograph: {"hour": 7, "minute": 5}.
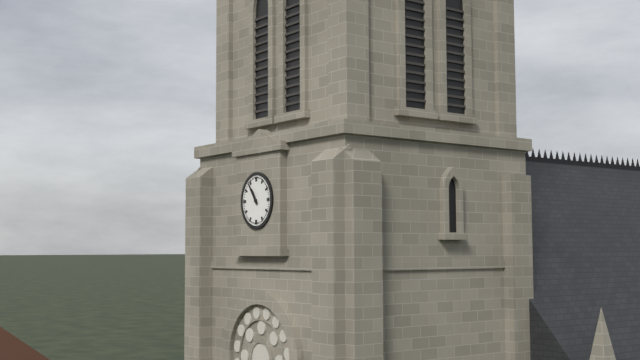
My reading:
{"hour": 10, "minute": 54}
